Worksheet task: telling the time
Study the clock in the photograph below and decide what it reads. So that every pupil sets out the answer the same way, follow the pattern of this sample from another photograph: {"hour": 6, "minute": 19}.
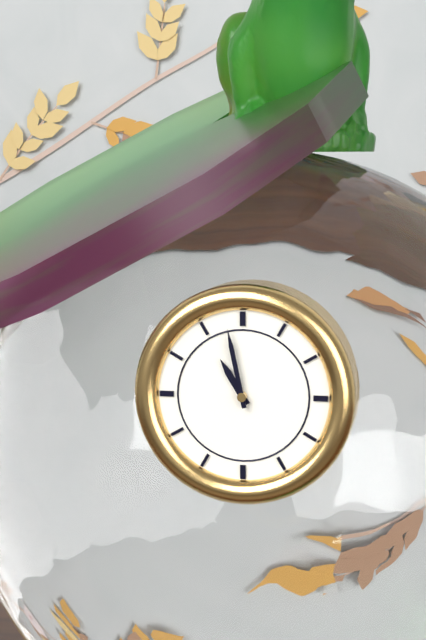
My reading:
{"hour": 10, "minute": 58}
